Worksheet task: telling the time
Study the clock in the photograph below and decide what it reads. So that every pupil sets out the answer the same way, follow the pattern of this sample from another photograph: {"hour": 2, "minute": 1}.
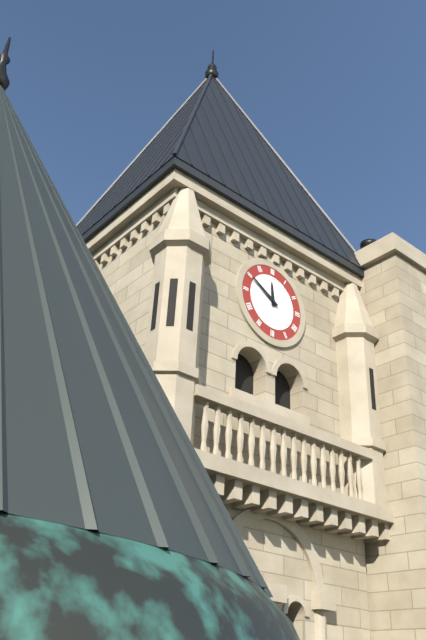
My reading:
{"hour": 11, "minute": 50}
